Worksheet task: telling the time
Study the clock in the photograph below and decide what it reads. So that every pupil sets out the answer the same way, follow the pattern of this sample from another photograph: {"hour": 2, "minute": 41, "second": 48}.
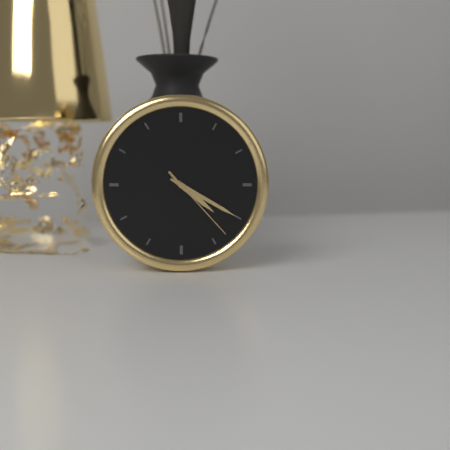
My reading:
{"hour": 4, "minute": 20, "second": 23}
